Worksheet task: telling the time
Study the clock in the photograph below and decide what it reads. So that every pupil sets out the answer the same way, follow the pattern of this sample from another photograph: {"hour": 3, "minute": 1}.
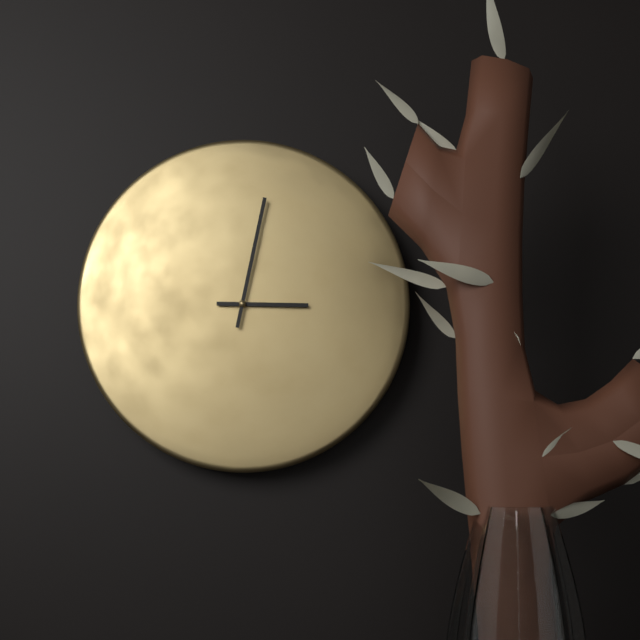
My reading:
{"hour": 3, "minute": 2}
